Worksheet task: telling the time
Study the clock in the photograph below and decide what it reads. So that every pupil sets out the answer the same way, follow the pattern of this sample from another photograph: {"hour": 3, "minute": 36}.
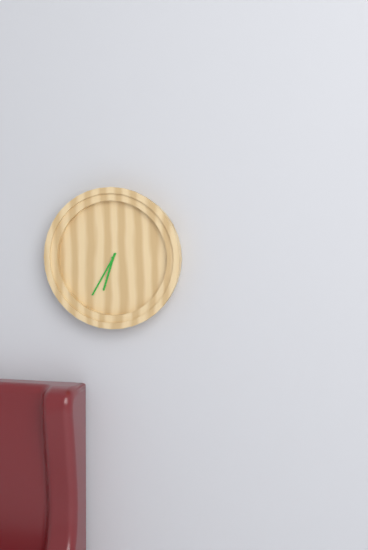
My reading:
{"hour": 6, "minute": 35}
